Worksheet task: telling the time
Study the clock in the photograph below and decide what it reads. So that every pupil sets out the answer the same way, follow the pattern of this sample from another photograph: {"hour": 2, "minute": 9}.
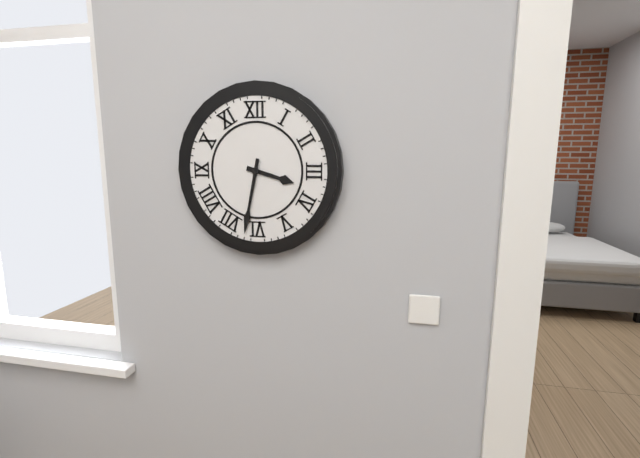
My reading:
{"hour": 3, "minute": 32}
